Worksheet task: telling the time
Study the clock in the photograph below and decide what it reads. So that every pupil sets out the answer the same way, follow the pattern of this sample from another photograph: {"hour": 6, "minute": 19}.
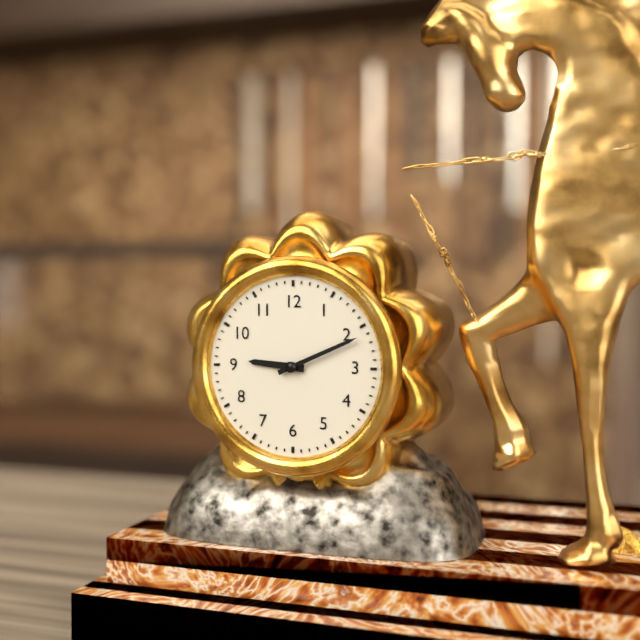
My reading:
{"hour": 9, "minute": 11}
